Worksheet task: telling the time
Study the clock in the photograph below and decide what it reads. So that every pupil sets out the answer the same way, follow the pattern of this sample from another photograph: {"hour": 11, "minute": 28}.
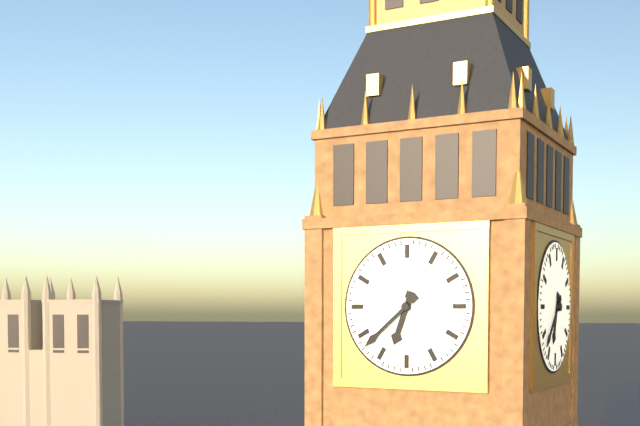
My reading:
{"hour": 6, "minute": 38}
